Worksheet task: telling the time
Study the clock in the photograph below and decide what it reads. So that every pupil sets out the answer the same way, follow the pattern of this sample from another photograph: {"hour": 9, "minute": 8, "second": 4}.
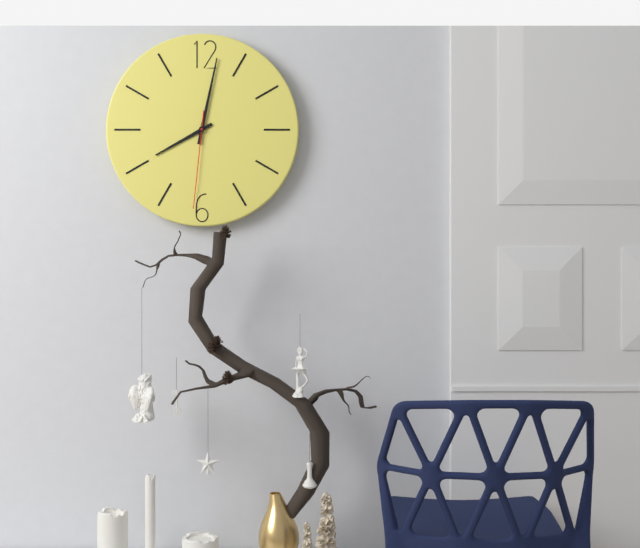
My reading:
{"hour": 8, "minute": 2, "second": 31}
